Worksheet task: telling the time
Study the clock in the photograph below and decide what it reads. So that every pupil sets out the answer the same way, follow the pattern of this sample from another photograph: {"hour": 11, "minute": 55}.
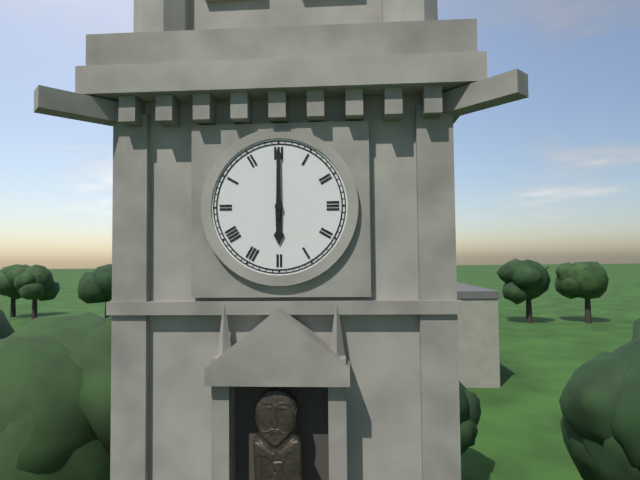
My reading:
{"hour": 6, "minute": 0}
